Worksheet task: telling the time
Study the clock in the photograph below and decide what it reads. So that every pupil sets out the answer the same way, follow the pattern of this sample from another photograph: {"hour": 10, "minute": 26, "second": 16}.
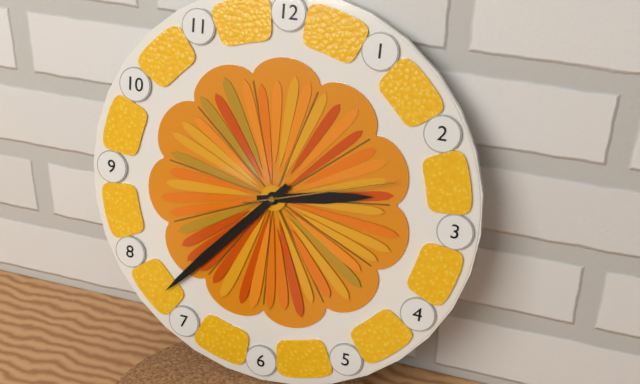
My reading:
{"hour": 2, "minute": 37, "second": 12}
